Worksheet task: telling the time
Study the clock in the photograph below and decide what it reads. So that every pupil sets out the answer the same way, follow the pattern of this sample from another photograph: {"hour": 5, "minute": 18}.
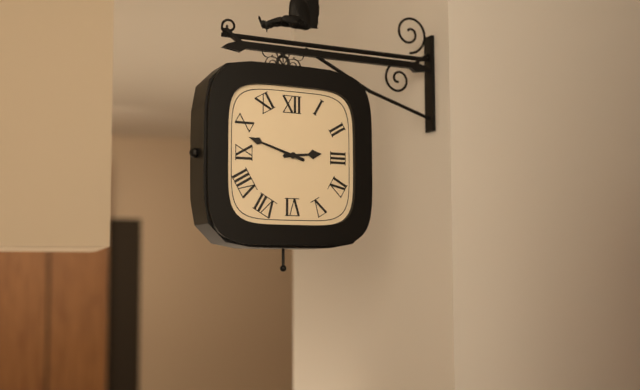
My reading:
{"hour": 2, "minute": 48}
